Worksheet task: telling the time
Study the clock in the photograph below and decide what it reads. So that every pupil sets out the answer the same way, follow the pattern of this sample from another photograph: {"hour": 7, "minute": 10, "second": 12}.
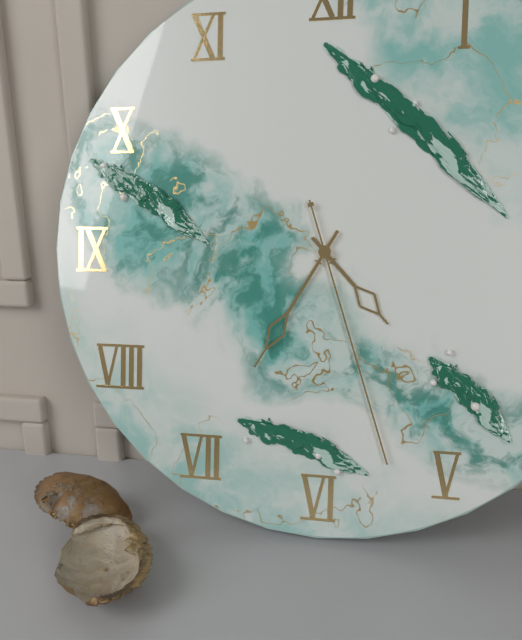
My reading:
{"hour": 4, "minute": 35, "second": 27}
